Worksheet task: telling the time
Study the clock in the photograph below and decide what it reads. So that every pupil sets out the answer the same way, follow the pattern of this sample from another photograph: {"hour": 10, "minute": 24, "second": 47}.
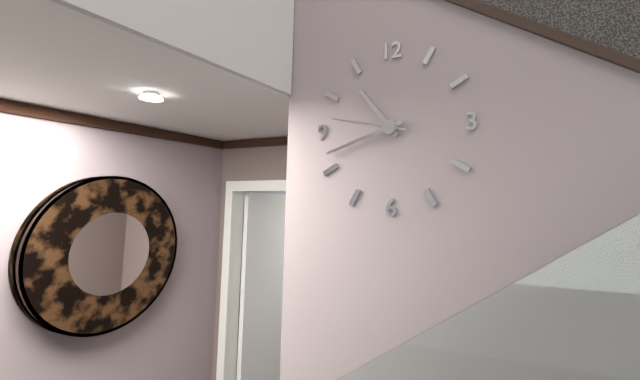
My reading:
{"hour": 10, "minute": 42, "second": 47}
